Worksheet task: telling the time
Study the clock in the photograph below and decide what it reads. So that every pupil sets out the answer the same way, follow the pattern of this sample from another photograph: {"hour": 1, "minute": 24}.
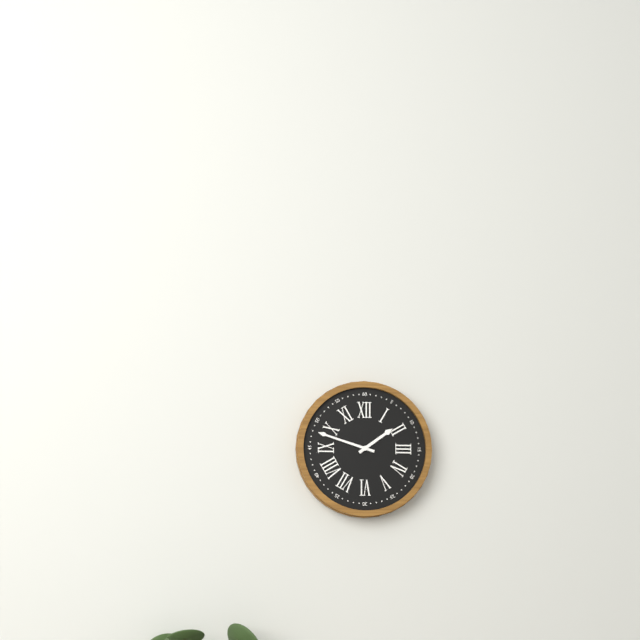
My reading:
{"hour": 1, "minute": 48}
